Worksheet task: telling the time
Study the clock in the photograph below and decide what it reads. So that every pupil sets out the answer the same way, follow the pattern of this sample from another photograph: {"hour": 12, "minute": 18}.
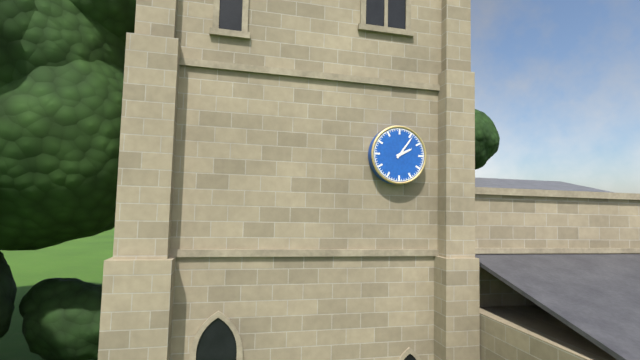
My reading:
{"hour": 2, "minute": 6}
